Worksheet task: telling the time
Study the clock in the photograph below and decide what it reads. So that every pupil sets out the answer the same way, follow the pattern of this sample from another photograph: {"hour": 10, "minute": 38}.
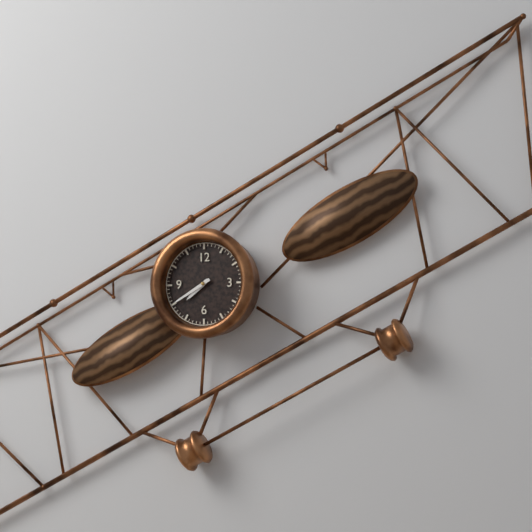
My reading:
{"hour": 7, "minute": 40}
